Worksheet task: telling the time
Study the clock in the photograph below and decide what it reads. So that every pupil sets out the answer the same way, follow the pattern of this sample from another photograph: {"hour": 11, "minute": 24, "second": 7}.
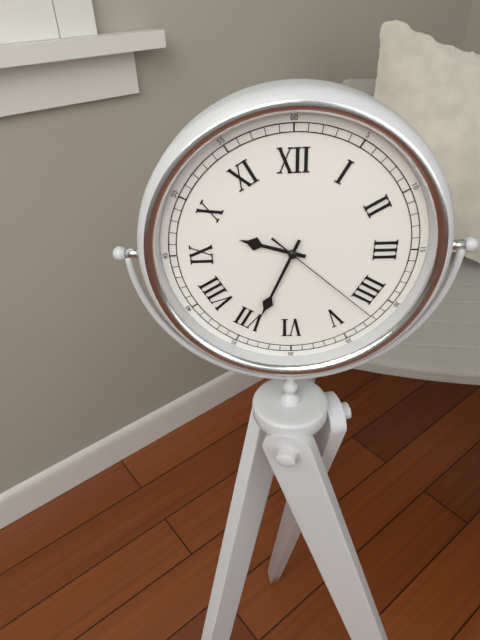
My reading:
{"hour": 9, "minute": 34, "second": 22}
